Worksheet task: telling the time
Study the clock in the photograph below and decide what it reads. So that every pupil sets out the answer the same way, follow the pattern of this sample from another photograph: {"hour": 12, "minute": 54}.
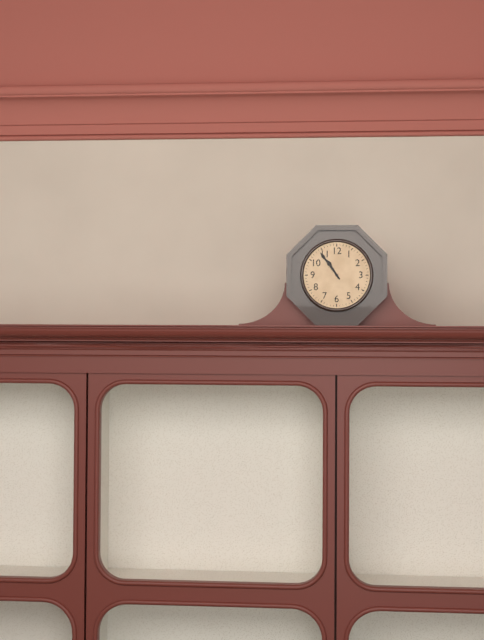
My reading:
{"hour": 10, "minute": 54}
